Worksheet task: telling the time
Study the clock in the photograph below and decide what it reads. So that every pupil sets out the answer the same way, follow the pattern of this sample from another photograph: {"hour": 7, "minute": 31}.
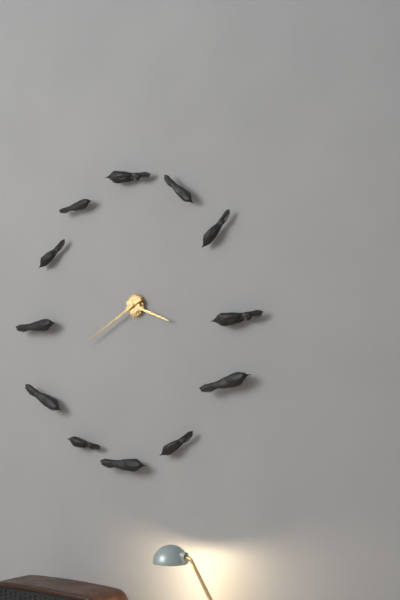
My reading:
{"hour": 3, "minute": 40}
